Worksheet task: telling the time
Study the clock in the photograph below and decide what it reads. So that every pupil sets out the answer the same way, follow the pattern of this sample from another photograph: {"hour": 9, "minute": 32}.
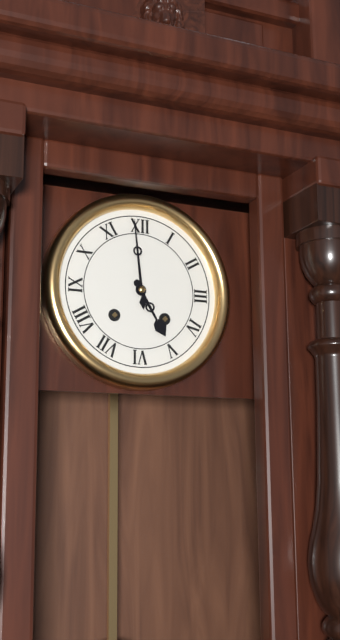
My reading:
{"hour": 4, "minute": 59}
